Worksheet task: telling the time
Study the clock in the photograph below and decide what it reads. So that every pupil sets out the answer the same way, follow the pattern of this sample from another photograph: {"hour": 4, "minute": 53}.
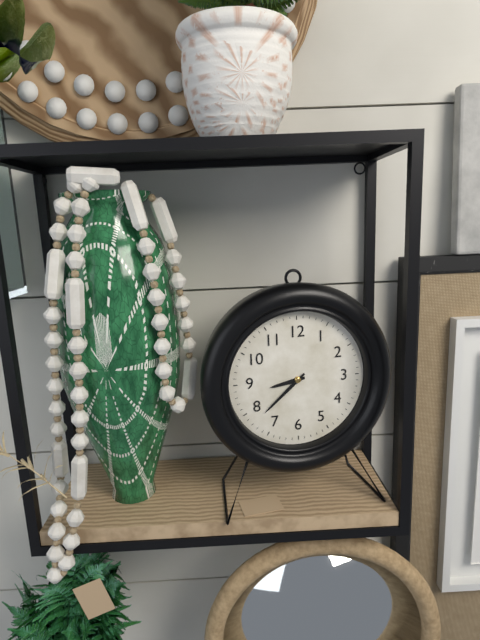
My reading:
{"hour": 8, "minute": 38}
